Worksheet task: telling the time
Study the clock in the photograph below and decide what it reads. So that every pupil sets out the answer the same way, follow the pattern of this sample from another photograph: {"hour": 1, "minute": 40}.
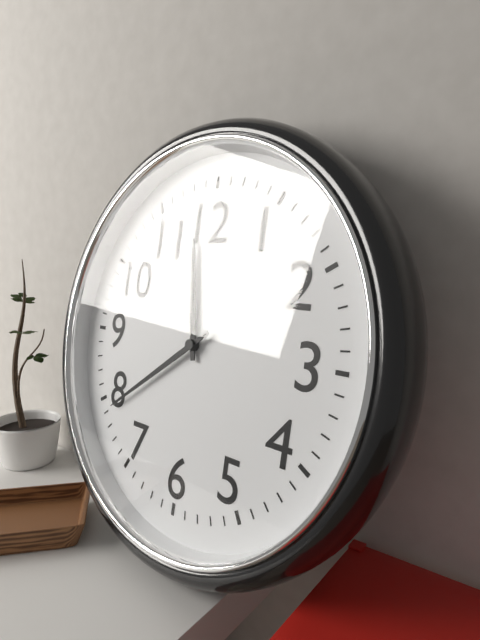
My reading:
{"hour": 11, "minute": 39}
